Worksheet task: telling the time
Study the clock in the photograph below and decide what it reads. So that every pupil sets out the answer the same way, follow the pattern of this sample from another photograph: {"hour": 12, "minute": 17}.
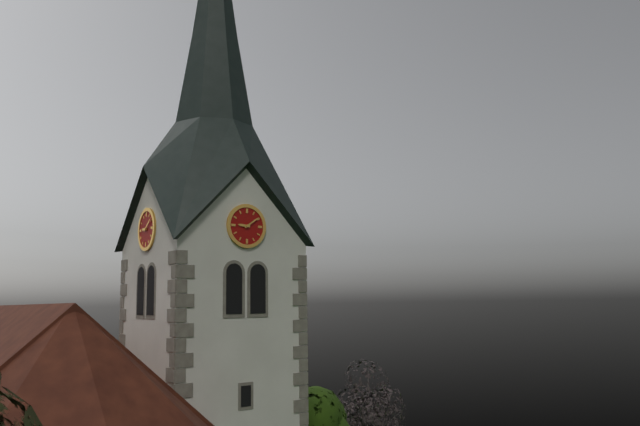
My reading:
{"hour": 9, "minute": 9}
